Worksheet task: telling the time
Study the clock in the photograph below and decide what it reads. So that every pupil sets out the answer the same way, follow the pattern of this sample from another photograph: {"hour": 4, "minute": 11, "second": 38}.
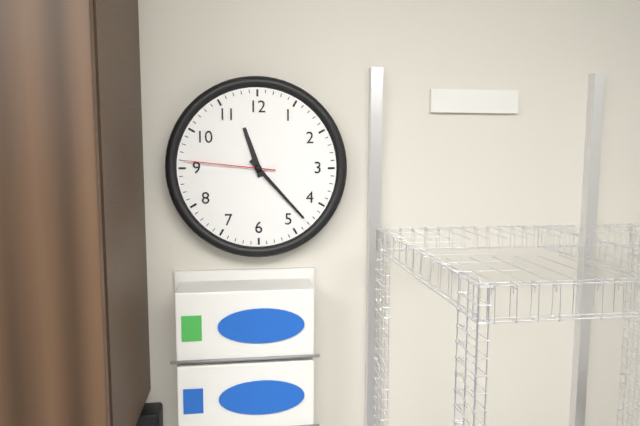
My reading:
{"hour": 11, "minute": 23, "second": 46}
